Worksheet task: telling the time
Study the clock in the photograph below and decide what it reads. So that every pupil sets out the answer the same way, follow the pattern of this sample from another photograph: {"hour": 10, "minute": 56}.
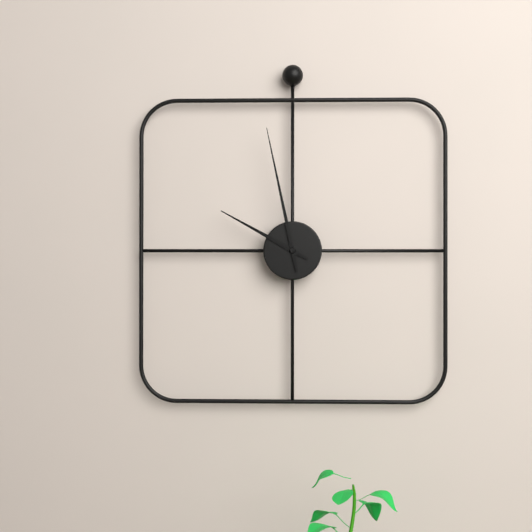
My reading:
{"hour": 9, "minute": 58}
